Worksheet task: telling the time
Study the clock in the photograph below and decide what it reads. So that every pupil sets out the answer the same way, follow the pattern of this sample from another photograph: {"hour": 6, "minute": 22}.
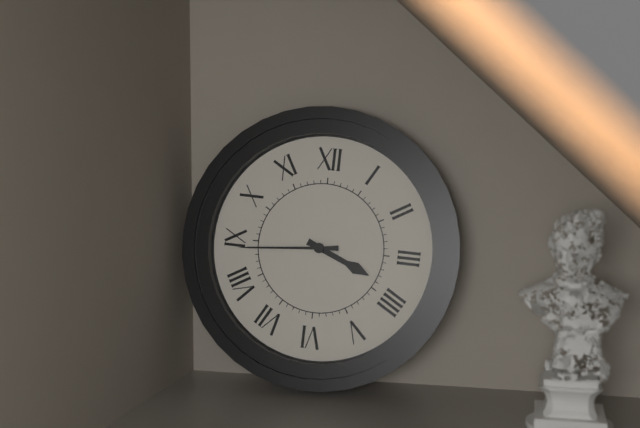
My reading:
{"hour": 3, "minute": 44}
